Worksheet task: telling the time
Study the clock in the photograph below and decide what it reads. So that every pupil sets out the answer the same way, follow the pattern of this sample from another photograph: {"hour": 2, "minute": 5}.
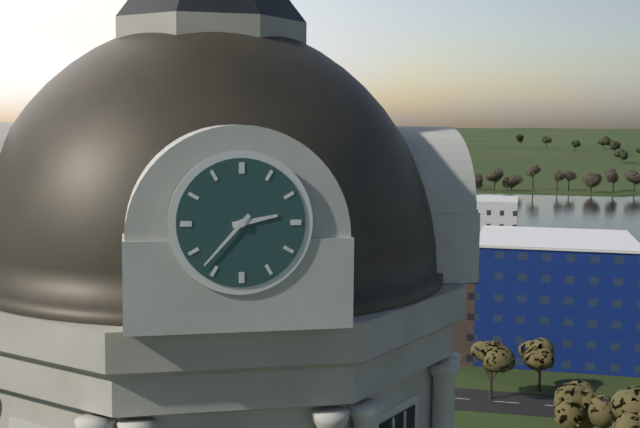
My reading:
{"hour": 2, "minute": 37}
